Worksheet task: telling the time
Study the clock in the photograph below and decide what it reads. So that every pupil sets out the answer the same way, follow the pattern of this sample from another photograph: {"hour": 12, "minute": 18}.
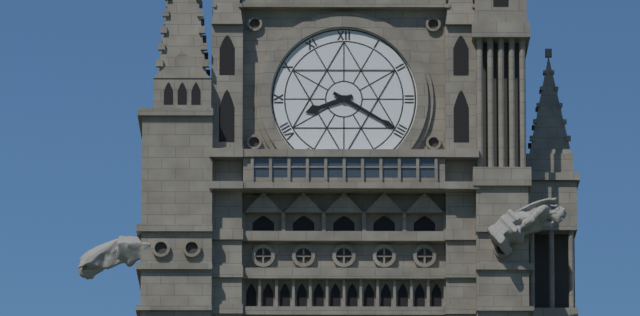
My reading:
{"hour": 8, "minute": 20}
